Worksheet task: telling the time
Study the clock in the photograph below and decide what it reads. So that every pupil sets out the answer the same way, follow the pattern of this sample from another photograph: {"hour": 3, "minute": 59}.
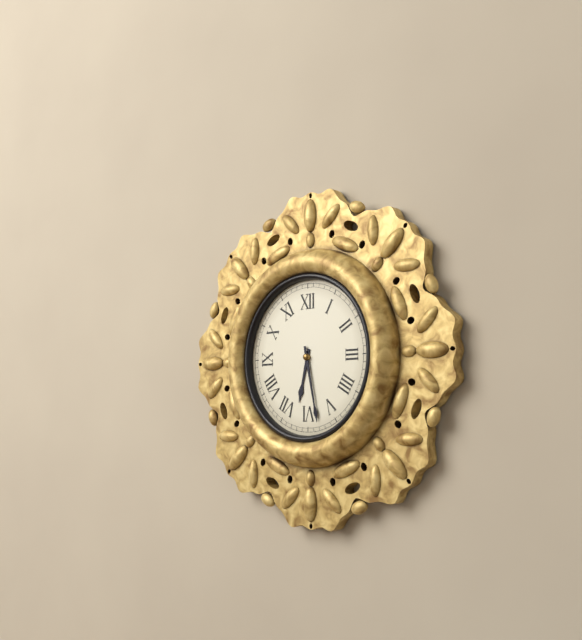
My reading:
{"hour": 6, "minute": 28}
